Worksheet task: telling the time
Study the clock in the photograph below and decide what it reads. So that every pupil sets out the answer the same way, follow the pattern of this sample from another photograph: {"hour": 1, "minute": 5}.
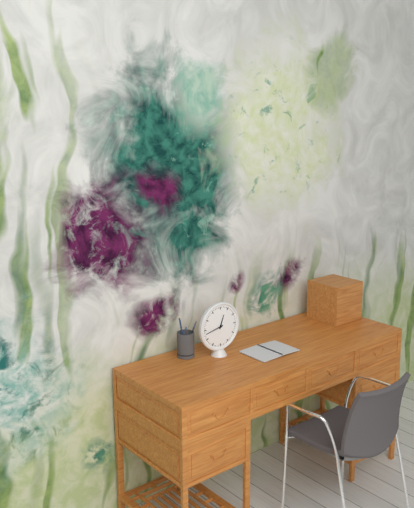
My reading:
{"hour": 12, "minute": 43}
